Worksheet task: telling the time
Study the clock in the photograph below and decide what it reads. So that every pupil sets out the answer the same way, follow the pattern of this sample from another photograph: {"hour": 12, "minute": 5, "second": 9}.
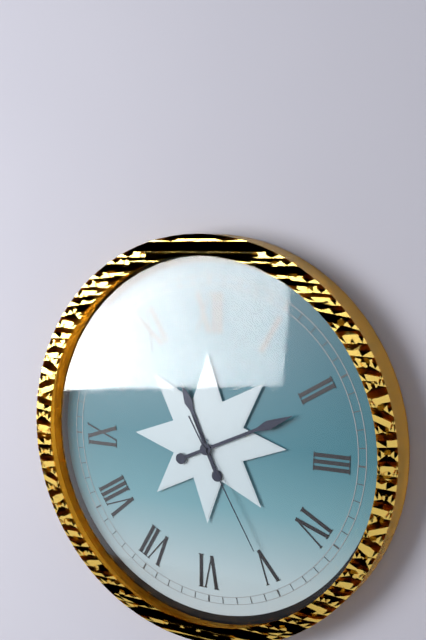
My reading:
{"hour": 11, "minute": 11, "second": 25}
